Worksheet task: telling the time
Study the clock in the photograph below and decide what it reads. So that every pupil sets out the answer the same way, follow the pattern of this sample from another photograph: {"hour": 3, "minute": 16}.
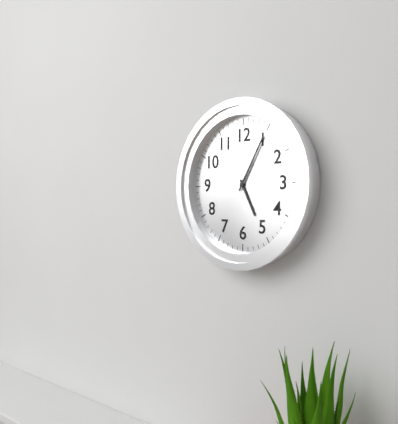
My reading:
{"hour": 5, "minute": 5}
